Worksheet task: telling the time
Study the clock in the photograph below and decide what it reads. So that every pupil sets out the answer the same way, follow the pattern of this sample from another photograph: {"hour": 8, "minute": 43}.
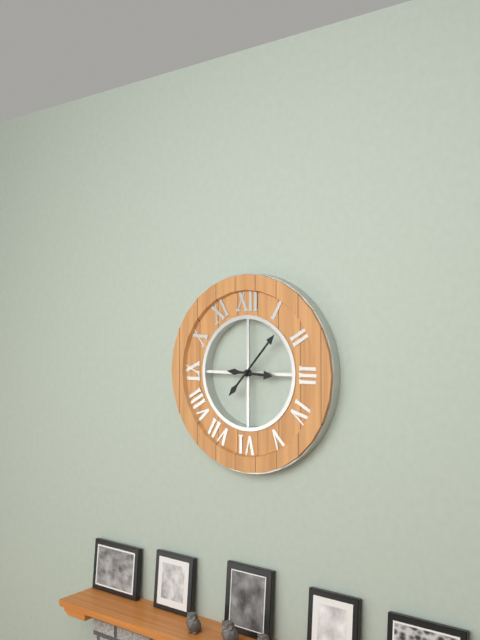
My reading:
{"hour": 3, "minute": 7}
